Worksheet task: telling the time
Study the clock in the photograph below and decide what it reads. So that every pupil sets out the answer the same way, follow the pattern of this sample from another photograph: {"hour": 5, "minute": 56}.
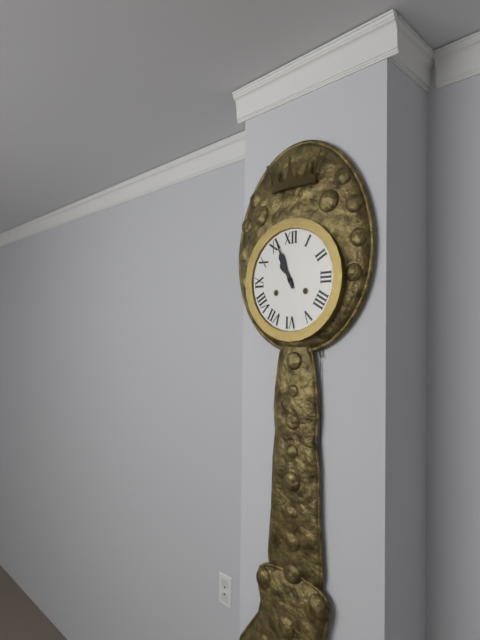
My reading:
{"hour": 10, "minute": 56}
